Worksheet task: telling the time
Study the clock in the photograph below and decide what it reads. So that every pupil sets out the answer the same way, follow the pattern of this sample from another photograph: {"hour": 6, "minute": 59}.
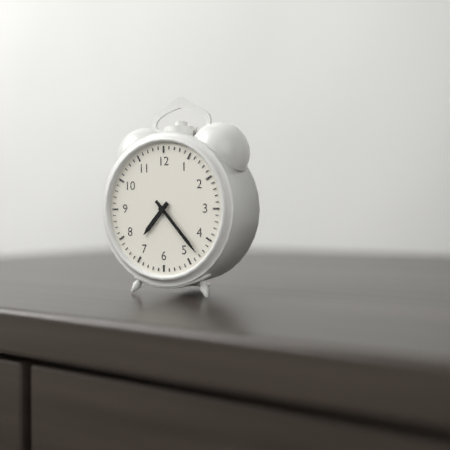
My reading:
{"hour": 7, "minute": 23}
